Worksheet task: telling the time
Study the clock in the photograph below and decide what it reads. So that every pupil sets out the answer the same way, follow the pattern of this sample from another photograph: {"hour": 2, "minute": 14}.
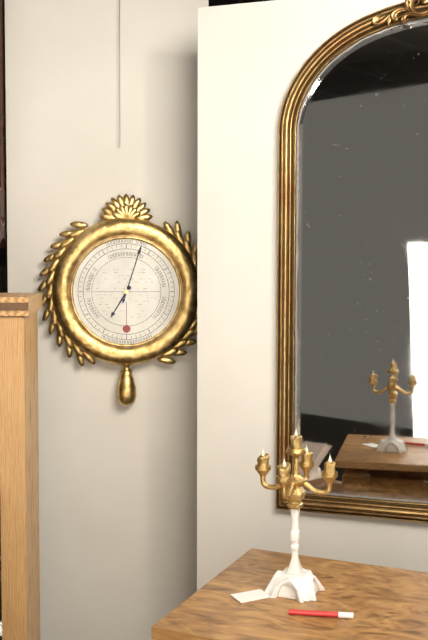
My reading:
{"hour": 7, "minute": 3}
